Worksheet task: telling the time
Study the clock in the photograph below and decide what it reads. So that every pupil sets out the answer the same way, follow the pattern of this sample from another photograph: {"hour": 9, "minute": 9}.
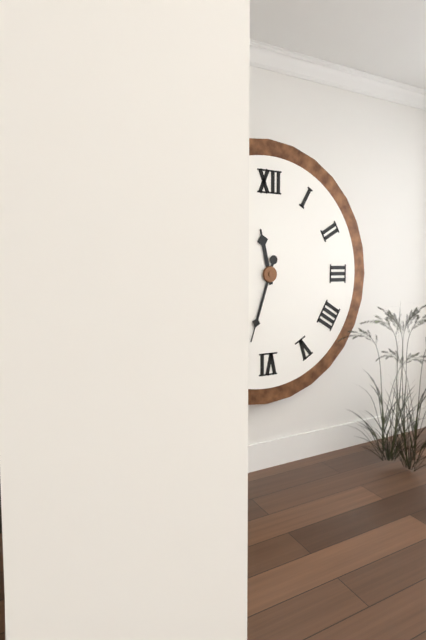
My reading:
{"hour": 11, "minute": 33}
